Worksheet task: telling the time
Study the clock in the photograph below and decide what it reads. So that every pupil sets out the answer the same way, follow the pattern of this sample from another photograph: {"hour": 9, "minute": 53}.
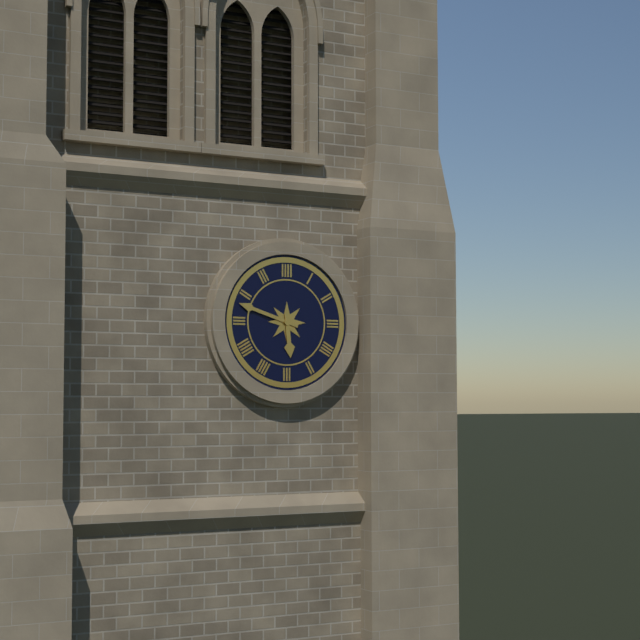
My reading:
{"hour": 5, "minute": 48}
